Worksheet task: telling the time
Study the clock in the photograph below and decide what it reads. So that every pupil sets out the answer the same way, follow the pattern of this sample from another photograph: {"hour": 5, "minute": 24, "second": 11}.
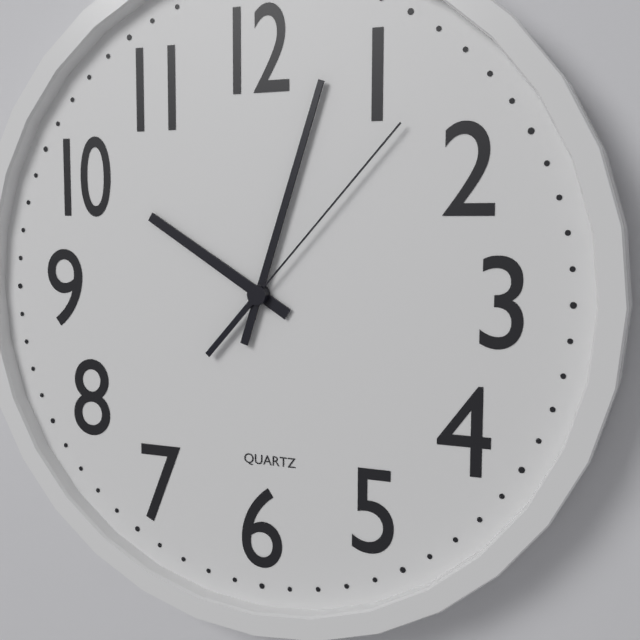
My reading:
{"hour": 10, "minute": 3, "second": 7}
